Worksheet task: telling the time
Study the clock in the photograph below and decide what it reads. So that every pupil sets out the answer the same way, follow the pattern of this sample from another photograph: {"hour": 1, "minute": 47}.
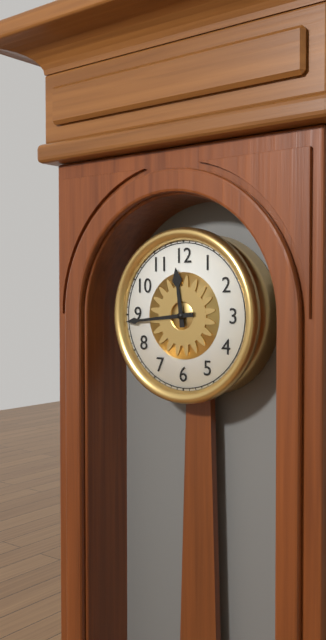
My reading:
{"hour": 11, "minute": 44}
